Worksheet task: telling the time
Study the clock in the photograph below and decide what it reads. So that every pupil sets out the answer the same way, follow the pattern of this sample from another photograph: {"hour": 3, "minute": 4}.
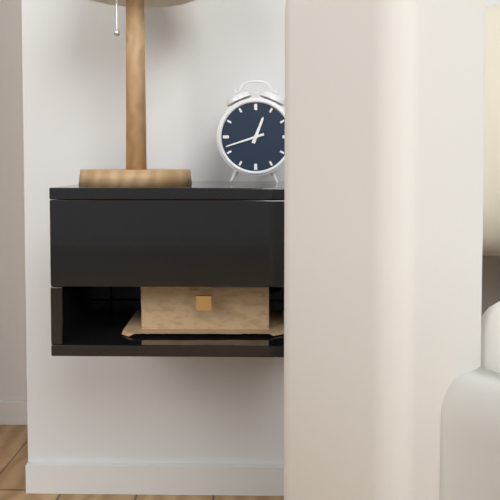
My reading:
{"hour": 12, "minute": 42}
